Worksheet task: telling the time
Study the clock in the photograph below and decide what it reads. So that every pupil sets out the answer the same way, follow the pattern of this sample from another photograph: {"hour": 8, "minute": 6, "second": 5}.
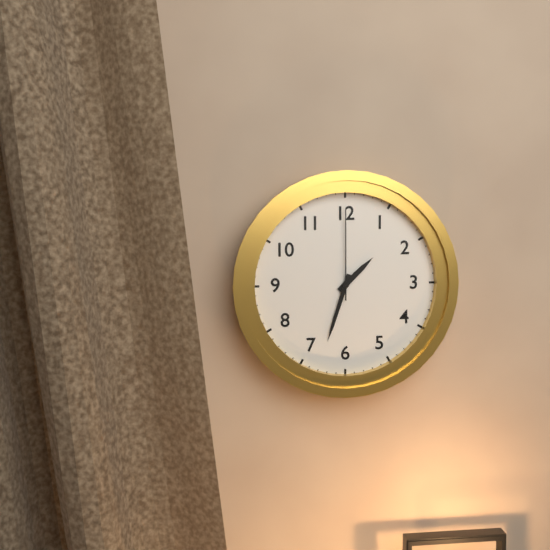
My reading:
{"hour": 1, "minute": 33, "second": 0}
